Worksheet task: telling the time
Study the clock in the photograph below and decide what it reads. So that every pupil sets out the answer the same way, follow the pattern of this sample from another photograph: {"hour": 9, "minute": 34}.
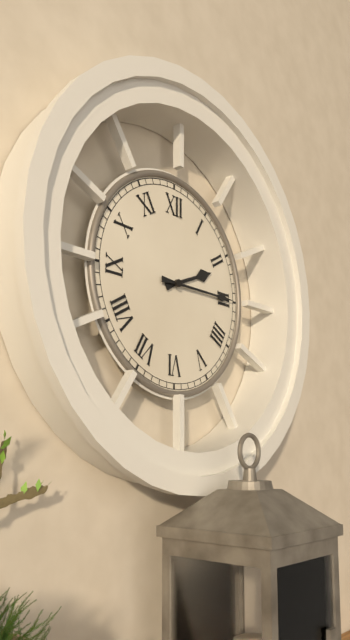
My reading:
{"hour": 2, "minute": 15}
